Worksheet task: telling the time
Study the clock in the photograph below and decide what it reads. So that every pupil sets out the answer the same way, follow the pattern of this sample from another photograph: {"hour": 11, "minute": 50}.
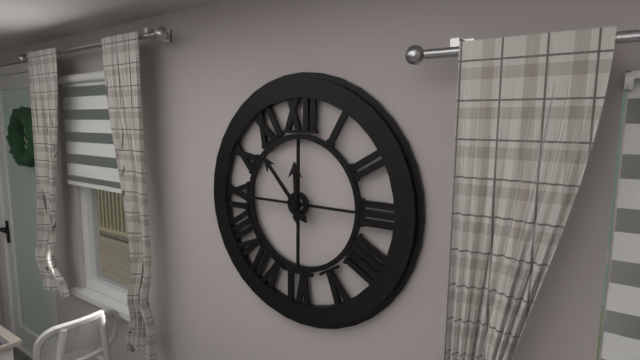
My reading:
{"hour": 11, "minute": 53}
